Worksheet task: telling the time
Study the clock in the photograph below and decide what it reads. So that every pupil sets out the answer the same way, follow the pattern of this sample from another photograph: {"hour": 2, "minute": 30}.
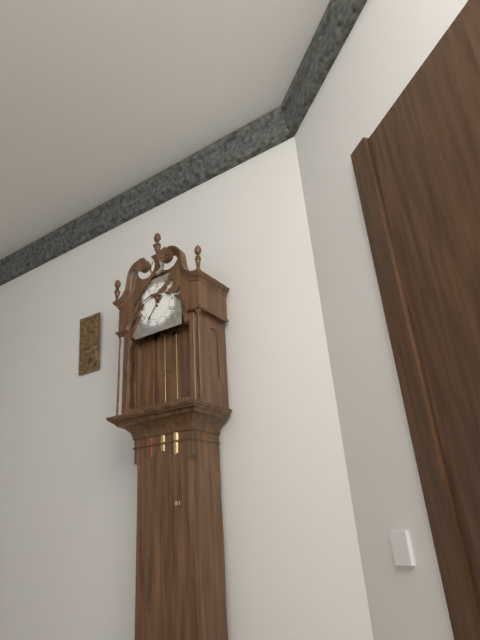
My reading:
{"hour": 11, "minute": 36}
